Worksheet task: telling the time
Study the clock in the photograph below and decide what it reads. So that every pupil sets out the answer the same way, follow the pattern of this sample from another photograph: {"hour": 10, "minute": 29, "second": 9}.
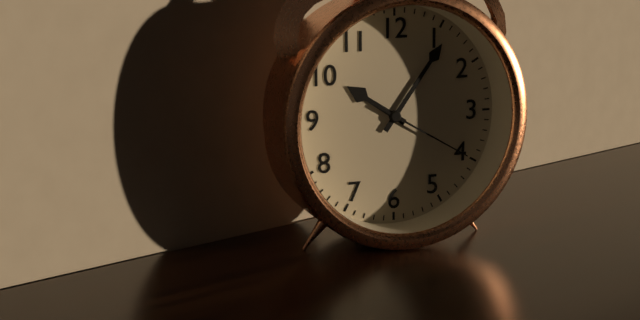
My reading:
{"hour": 10, "minute": 6, "second": 20}
